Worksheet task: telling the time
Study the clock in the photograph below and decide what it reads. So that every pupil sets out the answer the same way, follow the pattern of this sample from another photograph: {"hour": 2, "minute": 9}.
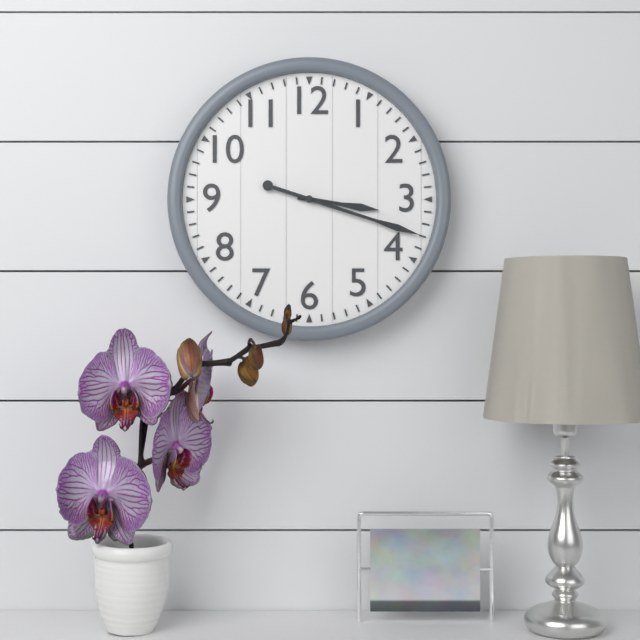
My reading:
{"hour": 3, "minute": 18}
